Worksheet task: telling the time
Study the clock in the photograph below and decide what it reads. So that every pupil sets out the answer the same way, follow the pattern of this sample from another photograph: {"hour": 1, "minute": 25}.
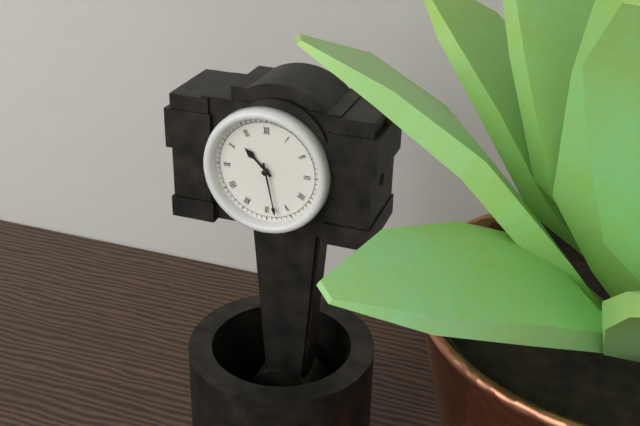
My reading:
{"hour": 10, "minute": 28}
